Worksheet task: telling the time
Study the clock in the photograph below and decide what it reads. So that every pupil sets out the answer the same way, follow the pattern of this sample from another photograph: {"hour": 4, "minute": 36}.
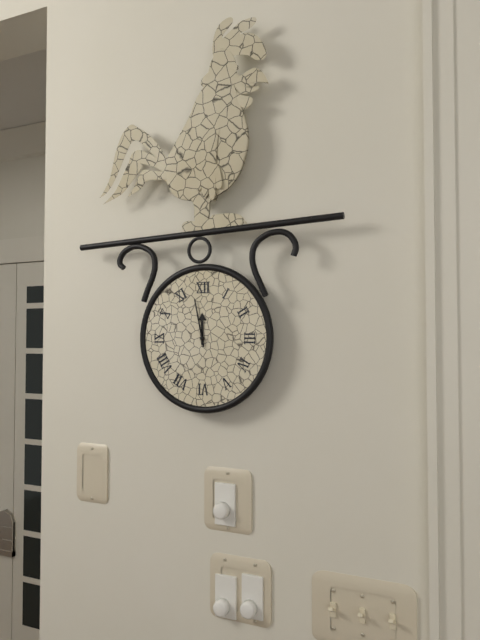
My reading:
{"hour": 11, "minute": 58}
